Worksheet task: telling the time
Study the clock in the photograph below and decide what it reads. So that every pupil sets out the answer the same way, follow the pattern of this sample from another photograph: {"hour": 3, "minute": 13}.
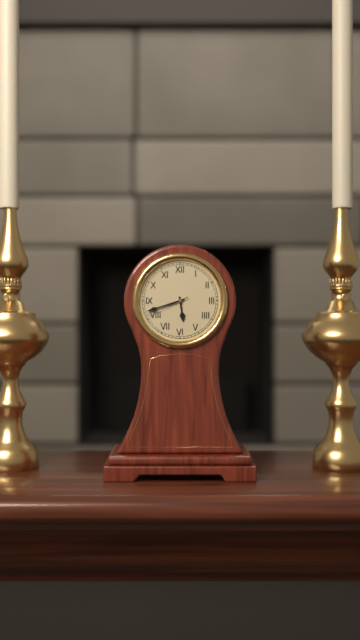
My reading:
{"hour": 5, "minute": 42}
